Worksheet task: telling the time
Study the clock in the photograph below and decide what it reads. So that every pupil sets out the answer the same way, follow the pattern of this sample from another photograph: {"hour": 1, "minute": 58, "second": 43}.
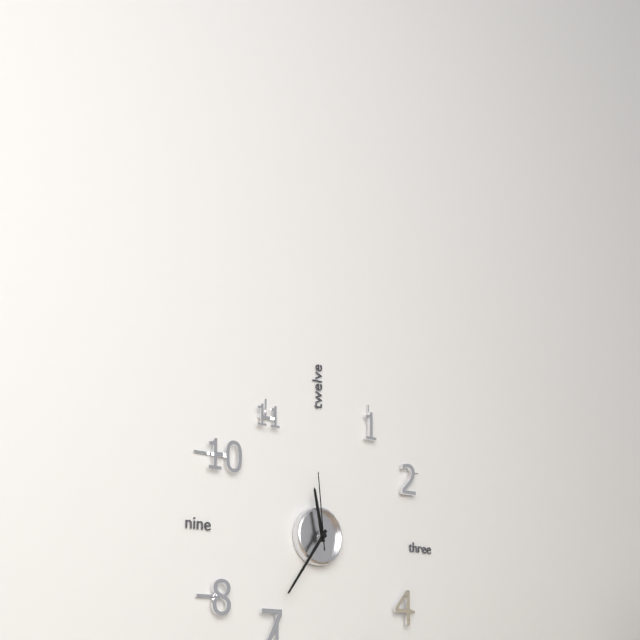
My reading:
{"hour": 11, "minute": 36, "second": 59}
